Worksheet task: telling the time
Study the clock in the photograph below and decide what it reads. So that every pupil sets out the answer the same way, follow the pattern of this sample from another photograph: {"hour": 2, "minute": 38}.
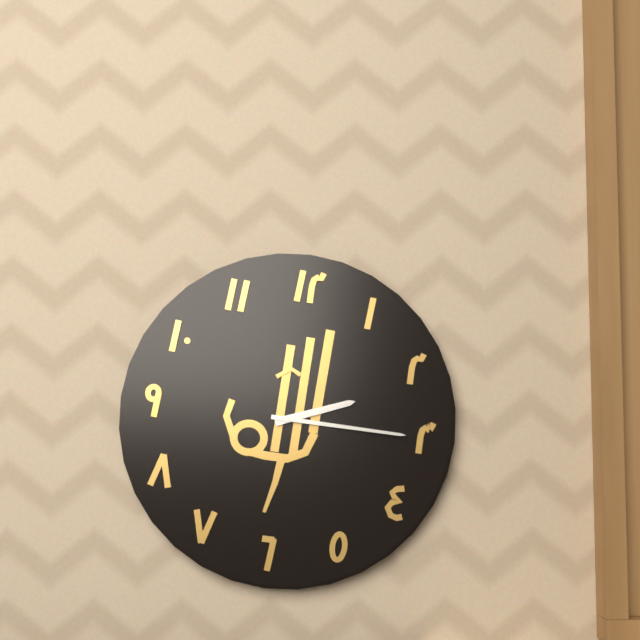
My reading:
{"hour": 2, "minute": 15}
